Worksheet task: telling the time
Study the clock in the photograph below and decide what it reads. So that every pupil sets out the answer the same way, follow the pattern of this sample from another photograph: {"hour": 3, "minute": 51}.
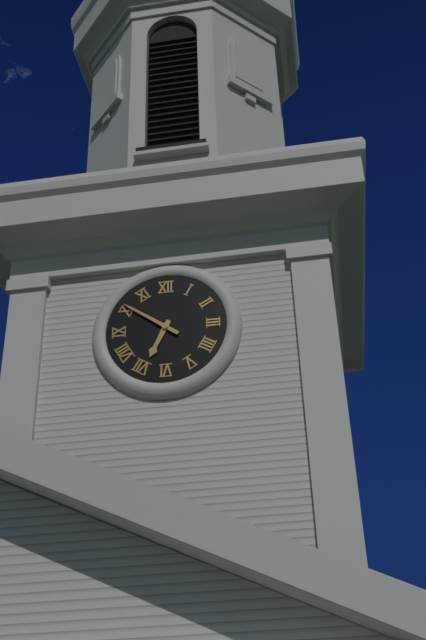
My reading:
{"hour": 6, "minute": 51}
